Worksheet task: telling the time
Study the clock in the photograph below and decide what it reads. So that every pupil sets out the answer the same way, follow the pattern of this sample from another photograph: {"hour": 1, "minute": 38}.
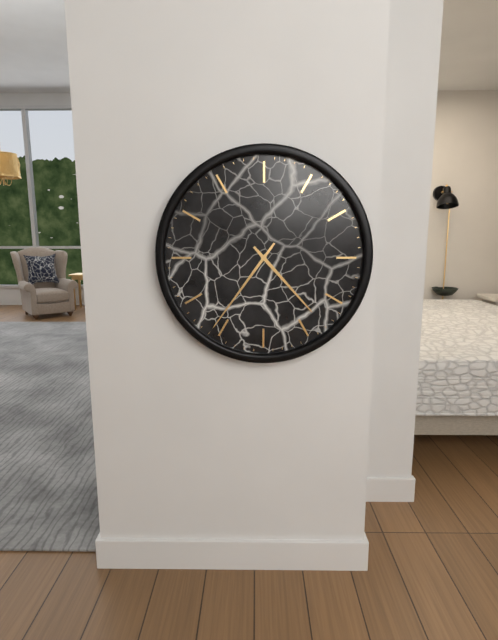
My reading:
{"hour": 4, "minute": 36}
